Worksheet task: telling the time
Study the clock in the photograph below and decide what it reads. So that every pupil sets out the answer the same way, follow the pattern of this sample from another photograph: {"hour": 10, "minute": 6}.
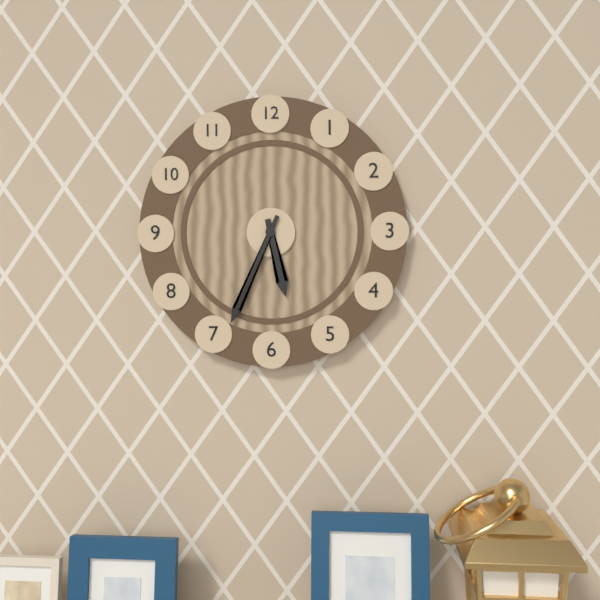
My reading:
{"hour": 5, "minute": 34}
